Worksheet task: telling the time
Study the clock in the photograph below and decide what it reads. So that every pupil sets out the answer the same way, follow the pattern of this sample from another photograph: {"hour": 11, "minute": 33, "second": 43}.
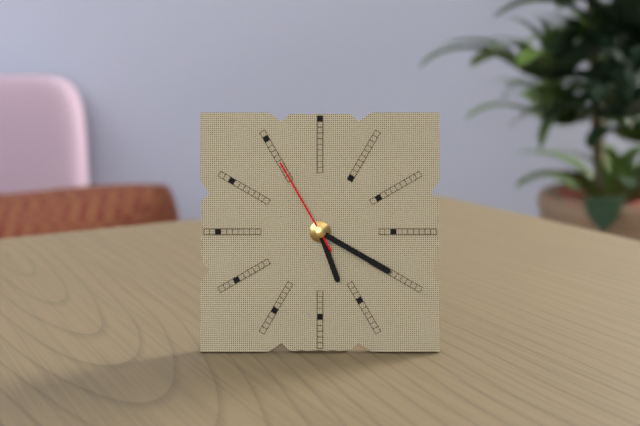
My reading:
{"hour": 5, "minute": 20, "second": 55}
